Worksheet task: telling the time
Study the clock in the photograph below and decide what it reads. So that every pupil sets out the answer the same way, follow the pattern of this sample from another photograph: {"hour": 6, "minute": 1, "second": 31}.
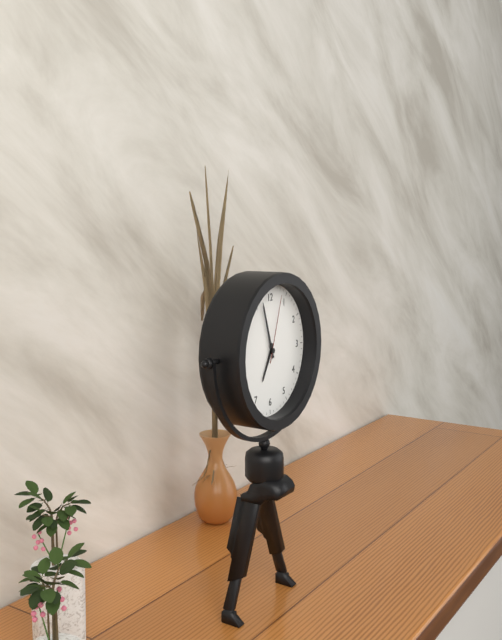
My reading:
{"hour": 6, "minute": 57, "second": 3}
